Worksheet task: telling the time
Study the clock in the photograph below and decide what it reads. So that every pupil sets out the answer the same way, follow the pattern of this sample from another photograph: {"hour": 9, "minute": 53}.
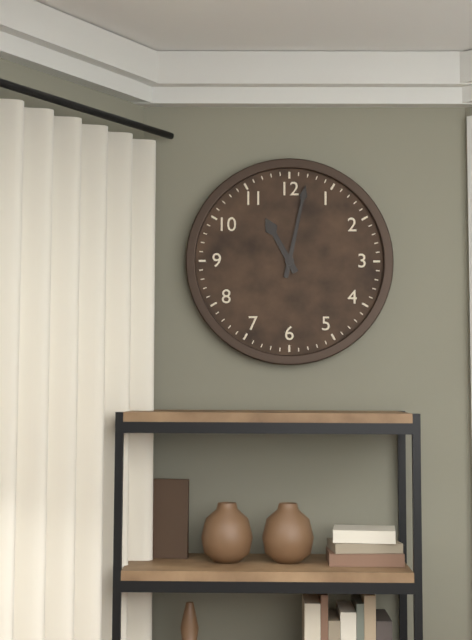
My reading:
{"hour": 11, "minute": 2}
